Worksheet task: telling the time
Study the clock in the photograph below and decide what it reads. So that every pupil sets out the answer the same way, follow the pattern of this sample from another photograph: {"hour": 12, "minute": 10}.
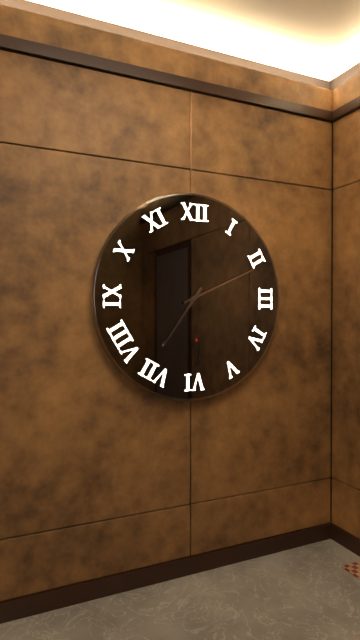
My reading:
{"hour": 7, "minute": 11}
